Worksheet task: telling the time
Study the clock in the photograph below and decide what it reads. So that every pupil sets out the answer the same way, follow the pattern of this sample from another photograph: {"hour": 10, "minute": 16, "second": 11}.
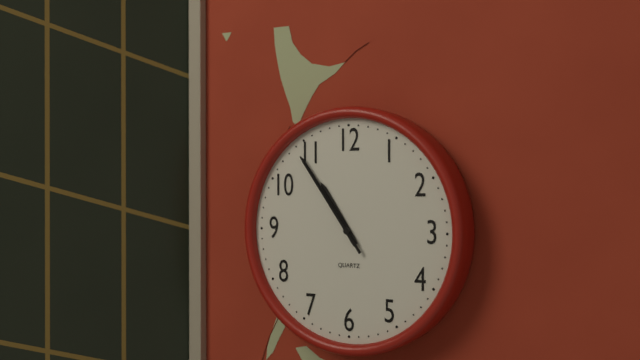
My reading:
{"hour": 10, "minute": 54, "second": 54}
